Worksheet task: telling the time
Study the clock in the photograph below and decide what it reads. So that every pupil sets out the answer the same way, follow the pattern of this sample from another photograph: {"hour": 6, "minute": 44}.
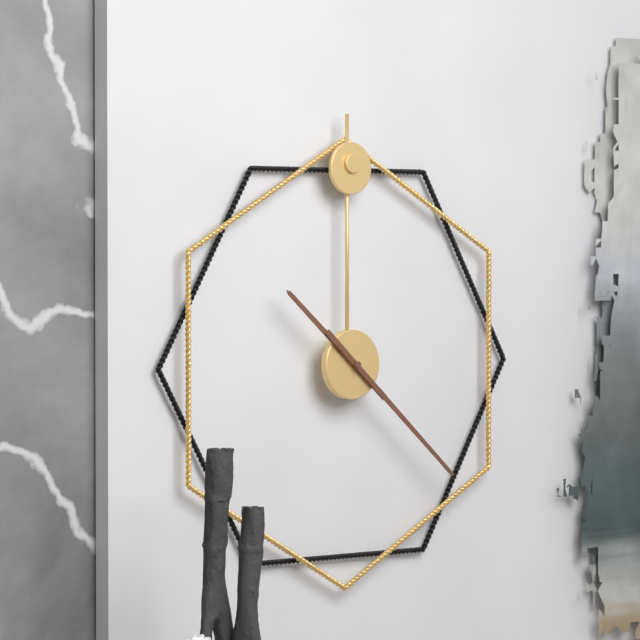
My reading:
{"hour": 10, "minute": 22}
